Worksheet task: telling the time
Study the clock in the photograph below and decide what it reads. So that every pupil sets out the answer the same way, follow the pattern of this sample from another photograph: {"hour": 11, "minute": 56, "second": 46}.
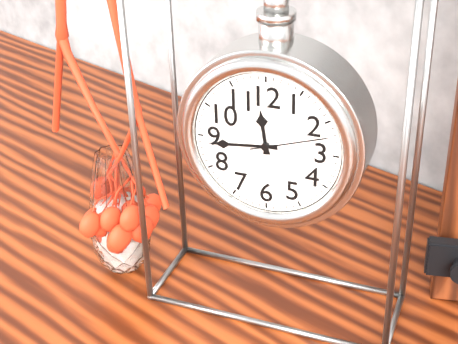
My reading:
{"hour": 11, "minute": 44, "second": 12}
